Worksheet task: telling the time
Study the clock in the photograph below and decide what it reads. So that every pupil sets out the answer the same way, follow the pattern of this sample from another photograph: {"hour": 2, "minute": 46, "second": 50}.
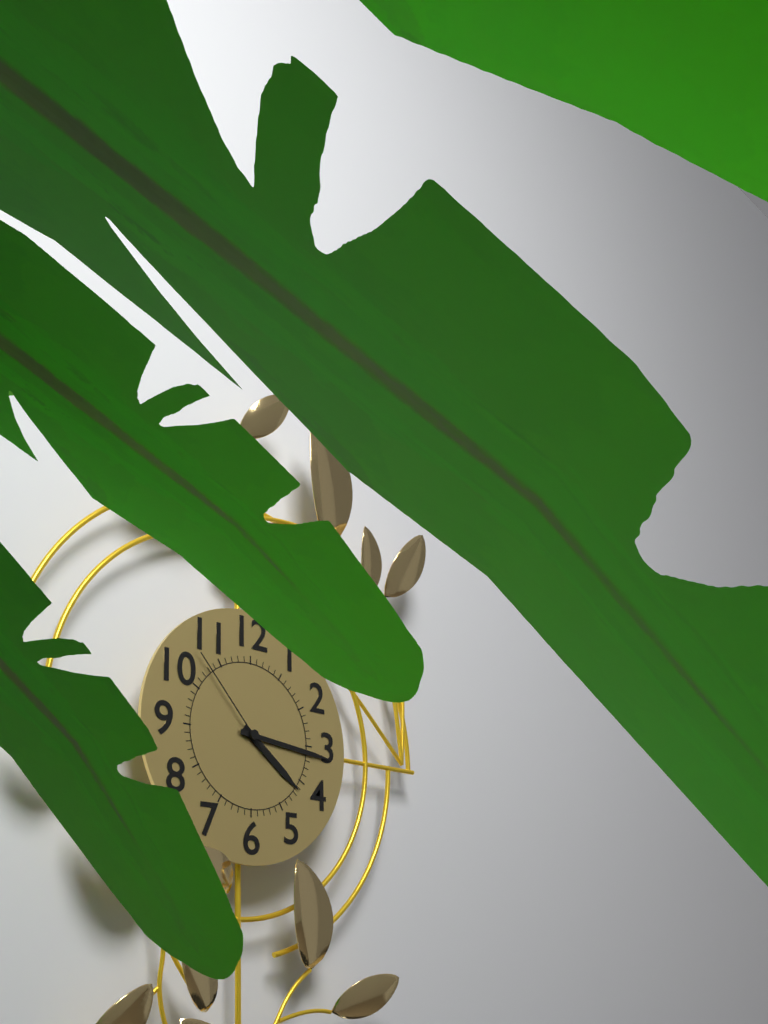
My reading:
{"hour": 4, "minute": 16, "second": 53}
